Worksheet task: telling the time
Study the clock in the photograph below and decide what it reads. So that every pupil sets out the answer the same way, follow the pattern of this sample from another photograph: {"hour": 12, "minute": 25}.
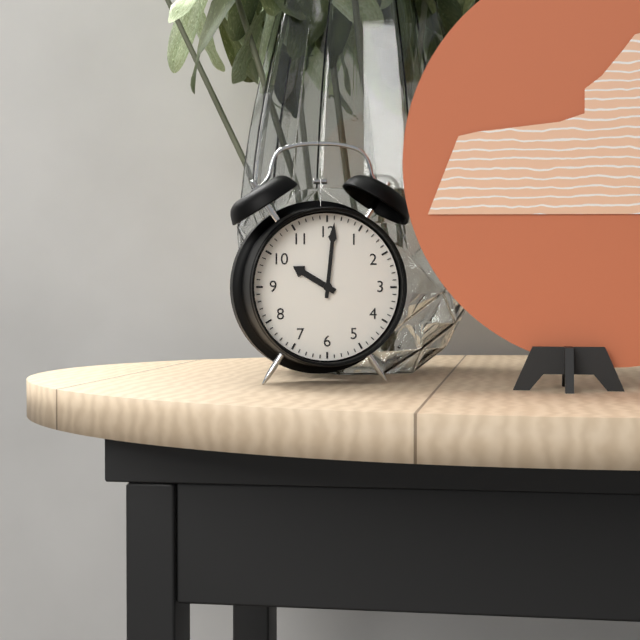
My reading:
{"hour": 10, "minute": 1}
